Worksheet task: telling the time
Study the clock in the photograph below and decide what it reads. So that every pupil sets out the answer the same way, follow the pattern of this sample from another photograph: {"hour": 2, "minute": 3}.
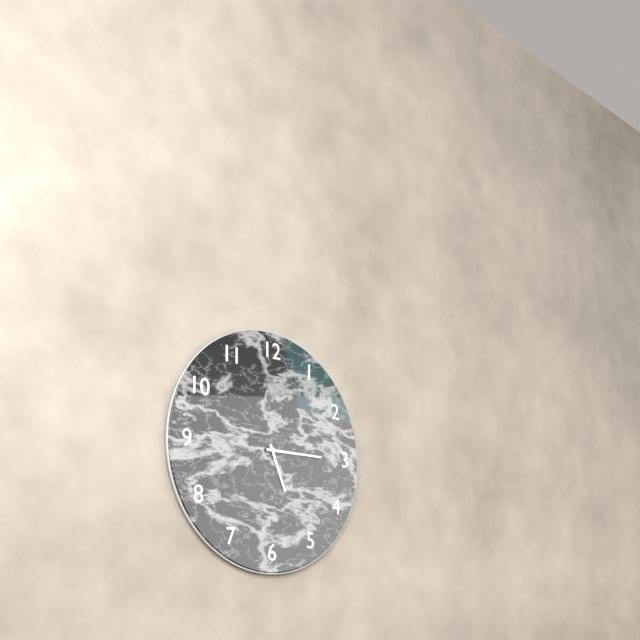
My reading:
{"hour": 5, "minute": 15}
